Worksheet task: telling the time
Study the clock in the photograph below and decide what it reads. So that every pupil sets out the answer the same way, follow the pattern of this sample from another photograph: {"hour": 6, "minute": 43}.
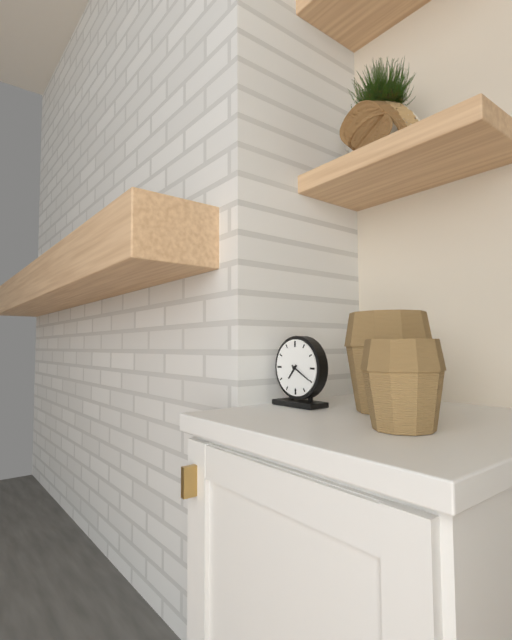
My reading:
{"hour": 7, "minute": 20}
